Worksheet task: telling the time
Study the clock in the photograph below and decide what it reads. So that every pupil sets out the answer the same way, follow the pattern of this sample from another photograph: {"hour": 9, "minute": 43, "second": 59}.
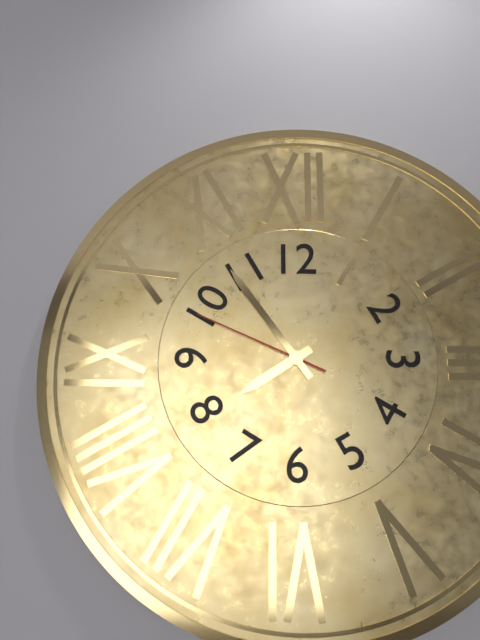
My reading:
{"hour": 7, "minute": 54, "second": 49}
